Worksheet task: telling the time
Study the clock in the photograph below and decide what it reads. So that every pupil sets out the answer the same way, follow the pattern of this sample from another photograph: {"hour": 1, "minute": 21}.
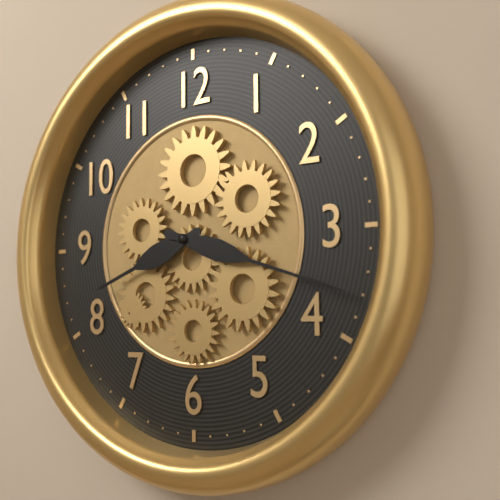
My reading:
{"hour": 8, "minute": 18}
